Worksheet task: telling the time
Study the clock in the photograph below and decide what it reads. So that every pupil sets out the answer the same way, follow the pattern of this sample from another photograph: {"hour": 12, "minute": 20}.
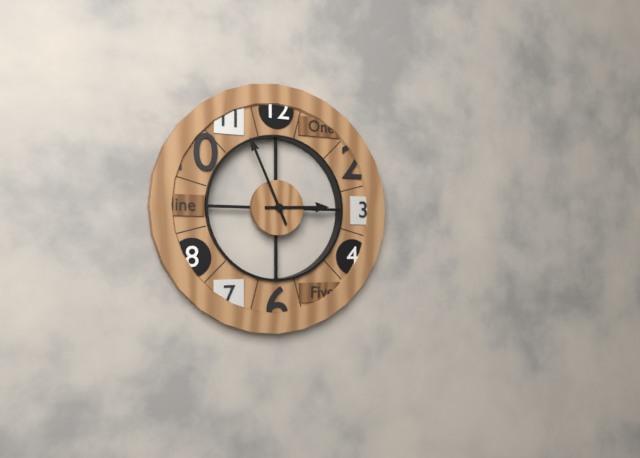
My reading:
{"hour": 2, "minute": 56}
